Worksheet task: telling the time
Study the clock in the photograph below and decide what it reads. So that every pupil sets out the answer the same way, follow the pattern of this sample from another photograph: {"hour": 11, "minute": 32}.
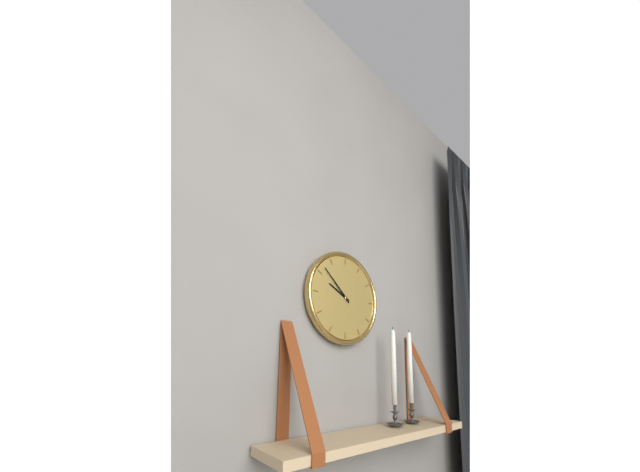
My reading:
{"hour": 9, "minute": 52}
